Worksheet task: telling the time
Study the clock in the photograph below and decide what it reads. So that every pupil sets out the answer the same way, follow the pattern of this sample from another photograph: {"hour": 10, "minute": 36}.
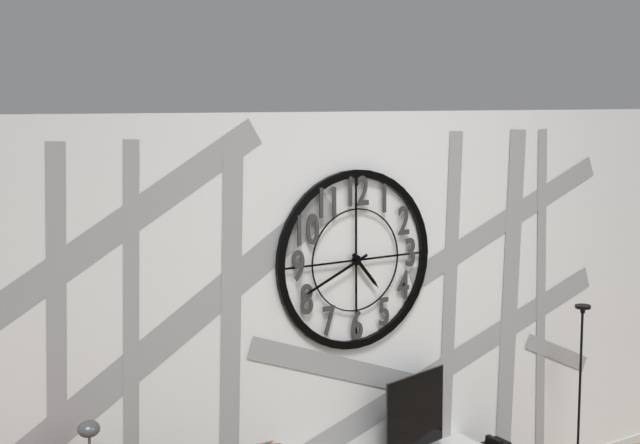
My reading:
{"hour": 4, "minute": 41}
